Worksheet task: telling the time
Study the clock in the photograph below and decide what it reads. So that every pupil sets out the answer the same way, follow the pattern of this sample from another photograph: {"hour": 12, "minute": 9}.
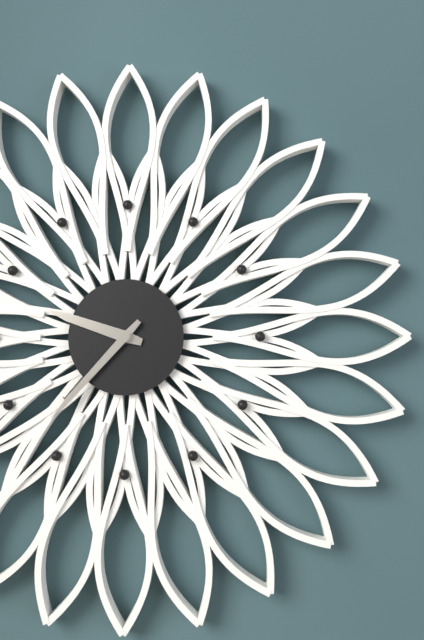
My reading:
{"hour": 9, "minute": 37}
